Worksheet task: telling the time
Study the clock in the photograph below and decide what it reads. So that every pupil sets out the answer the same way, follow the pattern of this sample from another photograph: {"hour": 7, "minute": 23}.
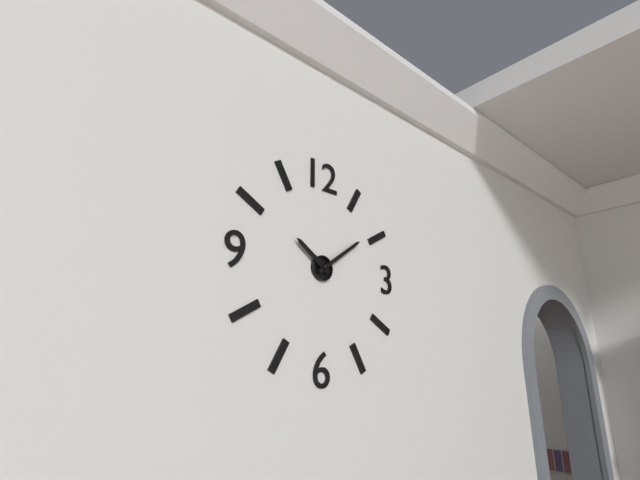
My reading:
{"hour": 10, "minute": 9}
